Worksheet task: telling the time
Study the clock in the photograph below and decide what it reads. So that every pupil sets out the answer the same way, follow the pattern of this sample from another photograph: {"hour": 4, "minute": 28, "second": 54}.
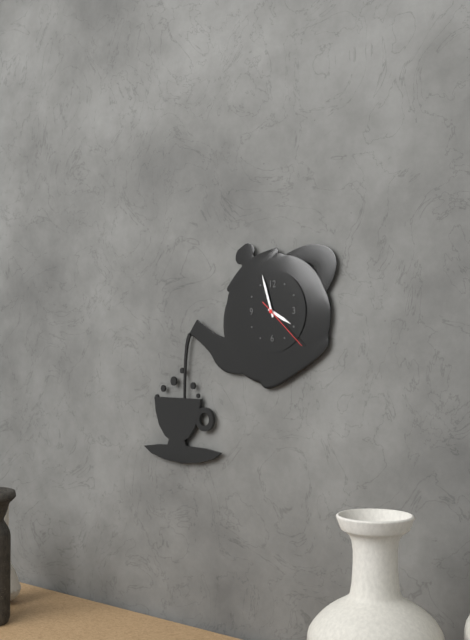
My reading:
{"hour": 3, "minute": 57, "second": 22}
